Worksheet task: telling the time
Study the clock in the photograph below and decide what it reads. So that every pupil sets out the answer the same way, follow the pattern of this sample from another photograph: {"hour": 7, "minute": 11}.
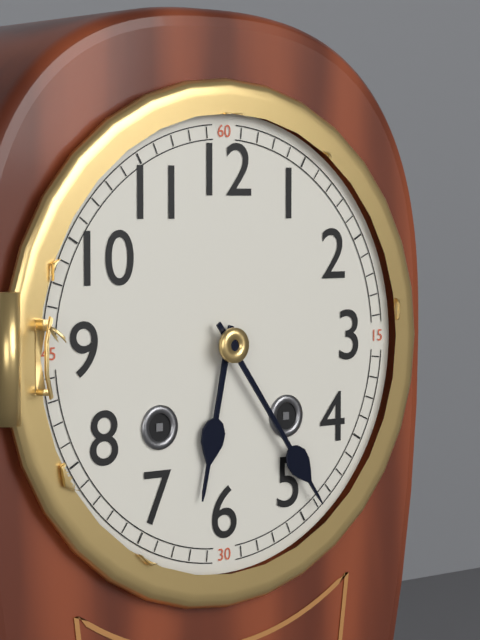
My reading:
{"hour": 6, "minute": 24}
